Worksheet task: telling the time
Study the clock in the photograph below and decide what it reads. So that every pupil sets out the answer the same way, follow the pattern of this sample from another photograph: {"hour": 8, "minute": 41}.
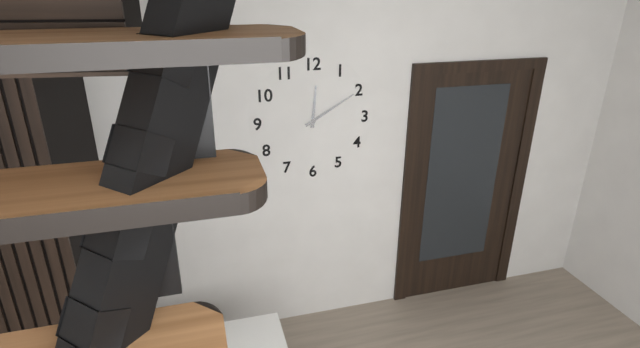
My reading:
{"hour": 12, "minute": 10}
